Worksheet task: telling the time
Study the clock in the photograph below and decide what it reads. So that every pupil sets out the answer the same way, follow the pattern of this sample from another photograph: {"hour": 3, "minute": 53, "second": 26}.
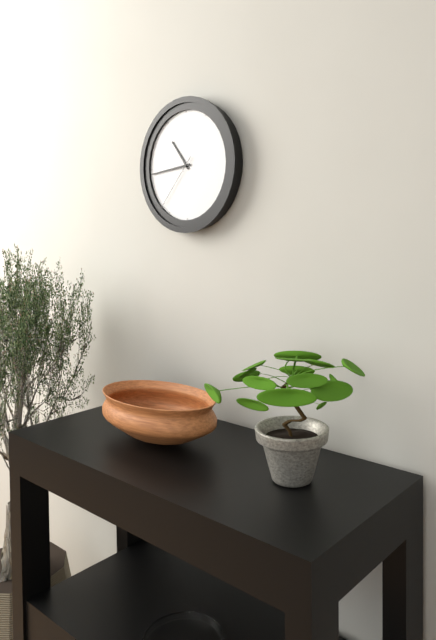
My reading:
{"hour": 10, "minute": 44, "second": 37}
